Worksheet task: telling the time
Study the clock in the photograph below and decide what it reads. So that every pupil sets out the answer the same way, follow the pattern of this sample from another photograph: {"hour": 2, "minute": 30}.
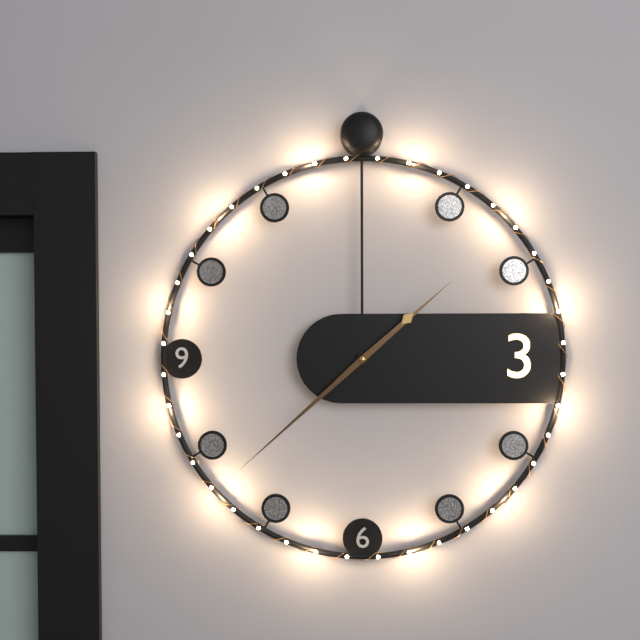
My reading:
{"hour": 1, "minute": 38}
